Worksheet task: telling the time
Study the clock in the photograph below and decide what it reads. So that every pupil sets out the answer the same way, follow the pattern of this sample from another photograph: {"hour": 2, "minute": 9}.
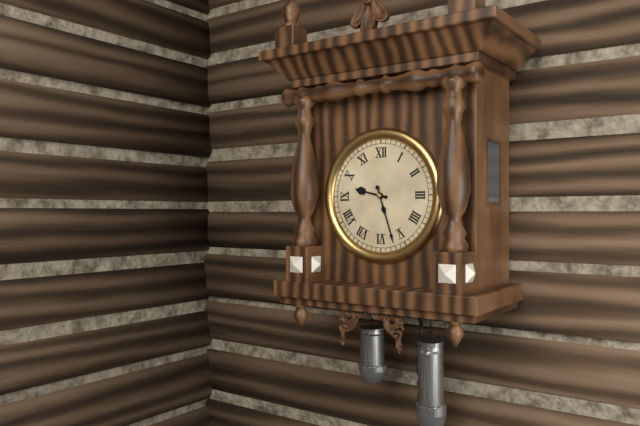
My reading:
{"hour": 9, "minute": 27}
